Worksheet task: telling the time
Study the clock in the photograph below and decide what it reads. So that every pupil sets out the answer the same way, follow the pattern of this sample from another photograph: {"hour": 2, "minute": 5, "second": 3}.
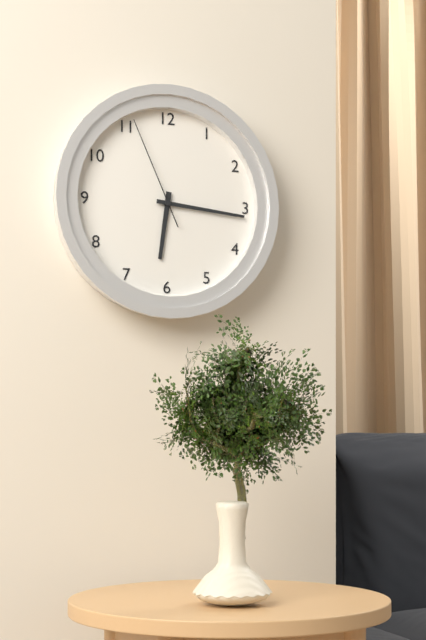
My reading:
{"hour": 6, "minute": 16, "second": 56}
